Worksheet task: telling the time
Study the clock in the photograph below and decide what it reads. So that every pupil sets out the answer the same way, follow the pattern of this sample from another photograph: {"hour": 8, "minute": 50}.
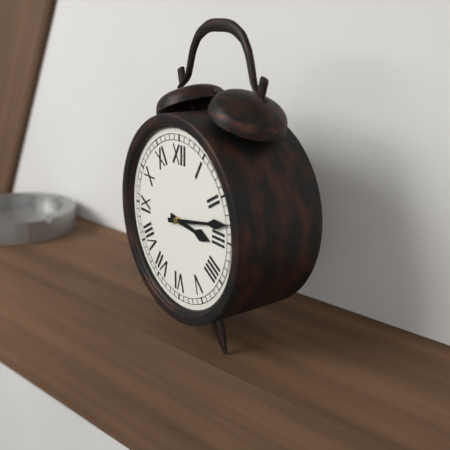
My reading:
{"hour": 3, "minute": 13}
